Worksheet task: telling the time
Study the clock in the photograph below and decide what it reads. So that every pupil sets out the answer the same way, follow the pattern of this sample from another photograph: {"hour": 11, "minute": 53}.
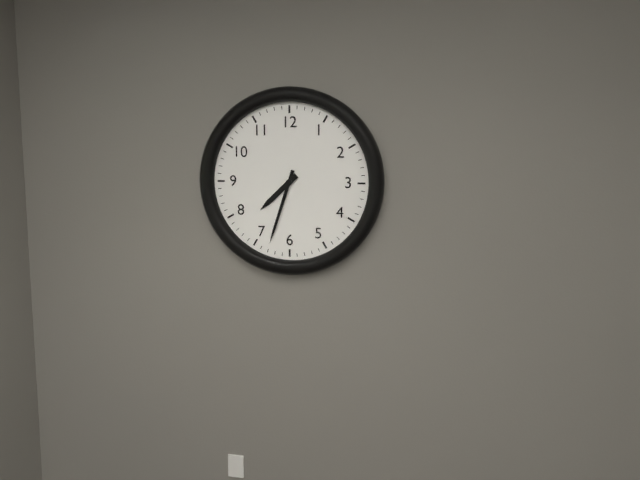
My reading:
{"hour": 7, "minute": 33}
